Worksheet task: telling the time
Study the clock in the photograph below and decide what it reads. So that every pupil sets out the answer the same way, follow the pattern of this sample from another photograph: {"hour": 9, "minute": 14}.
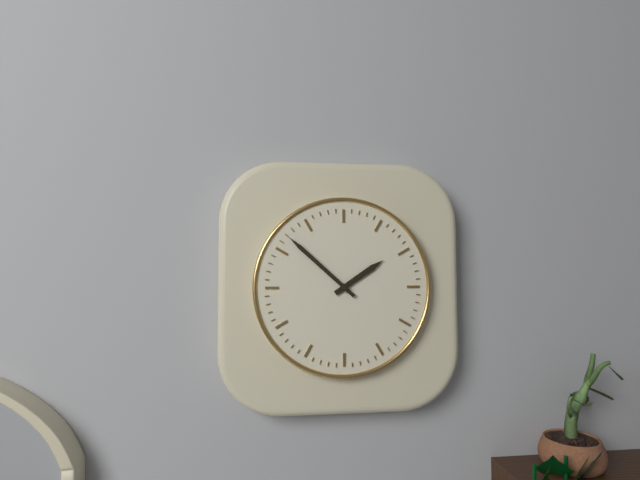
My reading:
{"hour": 1, "minute": 52}
